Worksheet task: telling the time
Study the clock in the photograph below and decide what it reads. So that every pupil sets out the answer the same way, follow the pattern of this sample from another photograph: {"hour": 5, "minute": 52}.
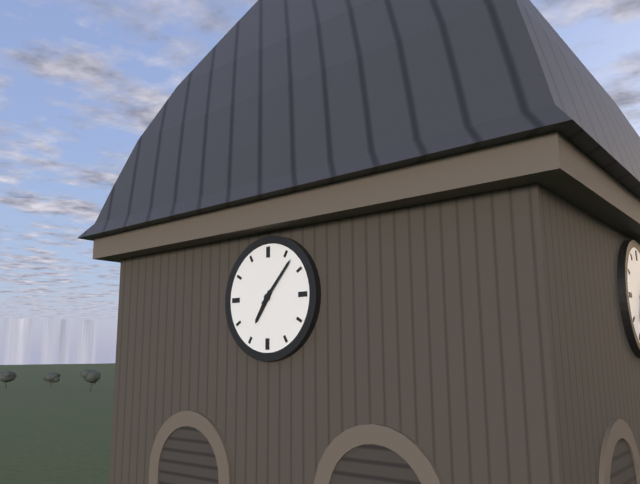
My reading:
{"hour": 7, "minute": 7}
